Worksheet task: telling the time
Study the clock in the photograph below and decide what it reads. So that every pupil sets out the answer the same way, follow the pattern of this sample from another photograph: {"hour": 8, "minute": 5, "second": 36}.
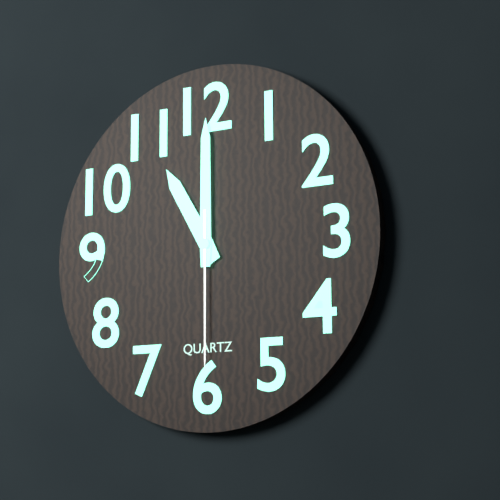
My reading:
{"hour": 11, "minute": 0, "second": 30}
